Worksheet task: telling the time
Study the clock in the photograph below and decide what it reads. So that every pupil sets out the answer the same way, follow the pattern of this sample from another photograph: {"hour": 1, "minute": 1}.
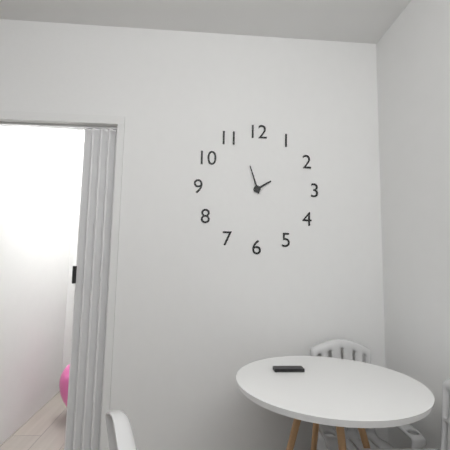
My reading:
{"hour": 1, "minute": 57}
